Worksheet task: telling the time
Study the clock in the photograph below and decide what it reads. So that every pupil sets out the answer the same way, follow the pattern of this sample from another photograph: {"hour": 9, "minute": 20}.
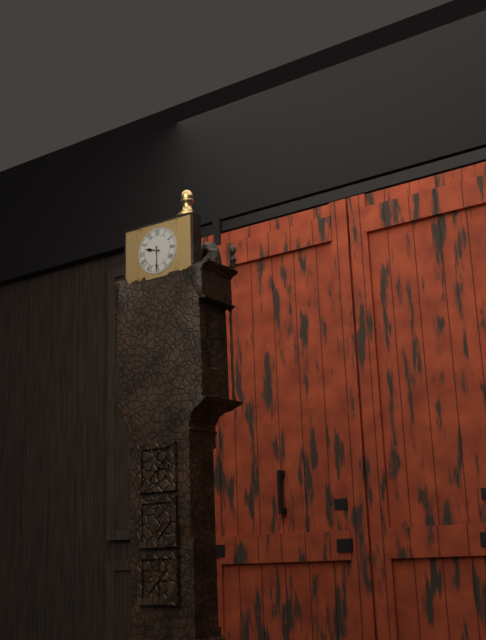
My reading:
{"hour": 9, "minute": 30}
